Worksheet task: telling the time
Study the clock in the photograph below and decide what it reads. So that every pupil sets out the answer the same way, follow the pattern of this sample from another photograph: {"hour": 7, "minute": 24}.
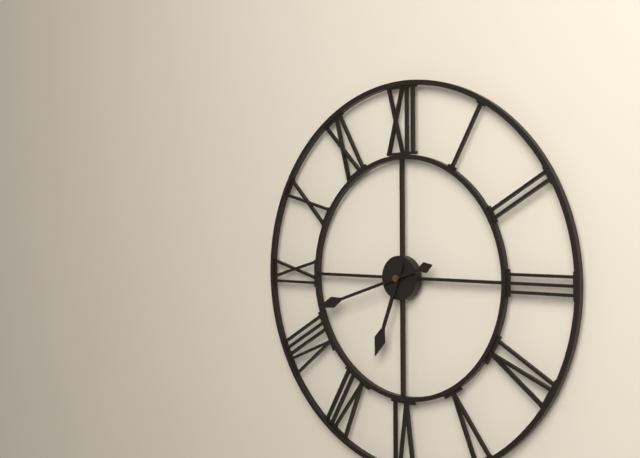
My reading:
{"hour": 6, "minute": 42}
